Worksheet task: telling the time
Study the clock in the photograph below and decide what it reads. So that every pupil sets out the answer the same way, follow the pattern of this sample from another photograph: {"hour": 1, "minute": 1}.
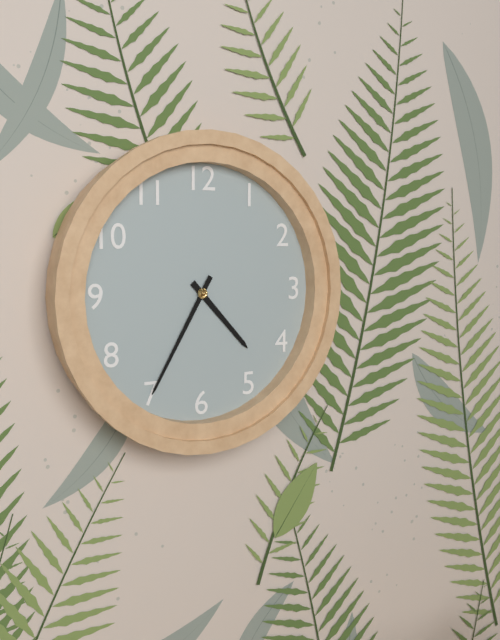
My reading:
{"hour": 4, "minute": 35}
